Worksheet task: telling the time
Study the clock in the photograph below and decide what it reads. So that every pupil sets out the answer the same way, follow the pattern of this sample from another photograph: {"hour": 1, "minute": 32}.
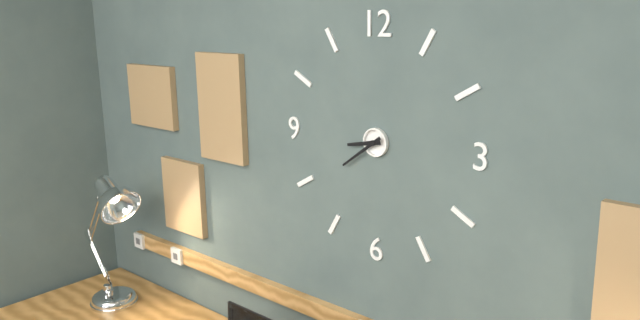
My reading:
{"hour": 8, "minute": 39}
